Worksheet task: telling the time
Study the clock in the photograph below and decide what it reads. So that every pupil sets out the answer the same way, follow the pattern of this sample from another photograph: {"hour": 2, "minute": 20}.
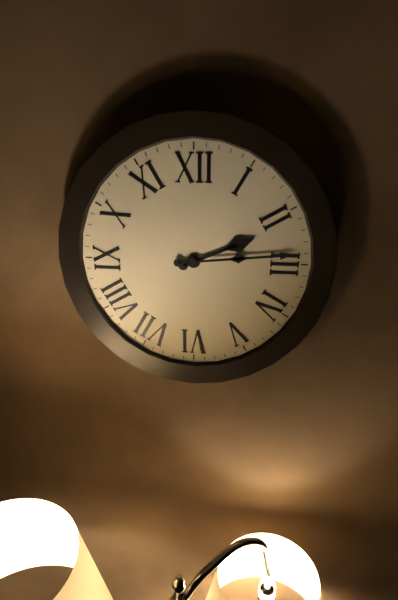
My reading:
{"hour": 2, "minute": 14}
